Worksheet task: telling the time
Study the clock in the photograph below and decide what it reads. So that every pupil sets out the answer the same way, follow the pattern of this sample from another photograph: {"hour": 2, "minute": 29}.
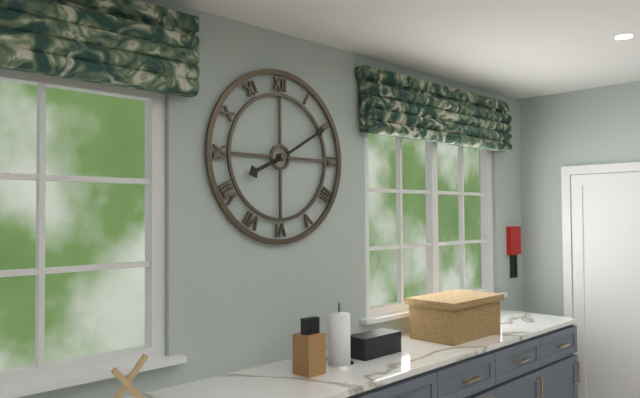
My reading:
{"hour": 8, "minute": 10}
